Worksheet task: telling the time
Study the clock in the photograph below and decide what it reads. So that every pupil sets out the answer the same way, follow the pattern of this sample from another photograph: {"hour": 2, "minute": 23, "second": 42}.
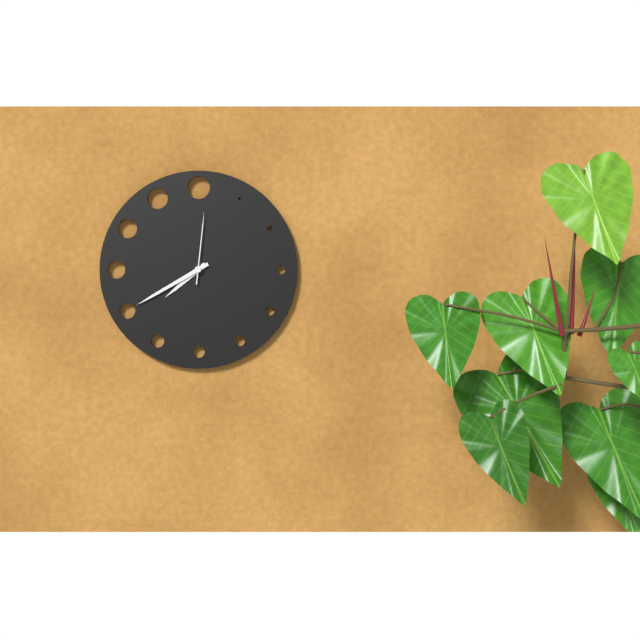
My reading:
{"hour": 7, "minute": 40, "second": 1}
